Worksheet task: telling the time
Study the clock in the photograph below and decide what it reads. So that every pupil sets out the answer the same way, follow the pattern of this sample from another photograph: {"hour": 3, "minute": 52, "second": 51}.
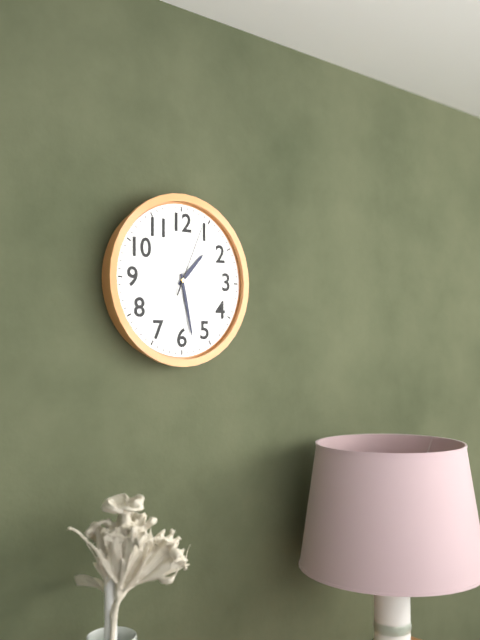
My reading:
{"hour": 1, "minute": 28, "second": 4}
